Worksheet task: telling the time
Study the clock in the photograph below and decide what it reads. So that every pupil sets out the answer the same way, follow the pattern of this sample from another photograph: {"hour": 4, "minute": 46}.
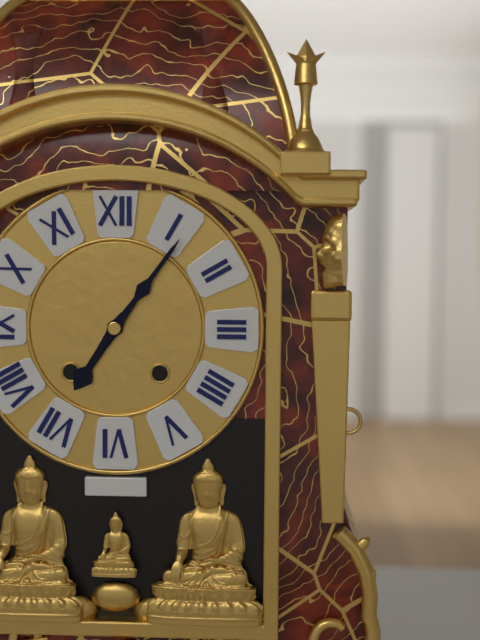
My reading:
{"hour": 7, "minute": 6}
